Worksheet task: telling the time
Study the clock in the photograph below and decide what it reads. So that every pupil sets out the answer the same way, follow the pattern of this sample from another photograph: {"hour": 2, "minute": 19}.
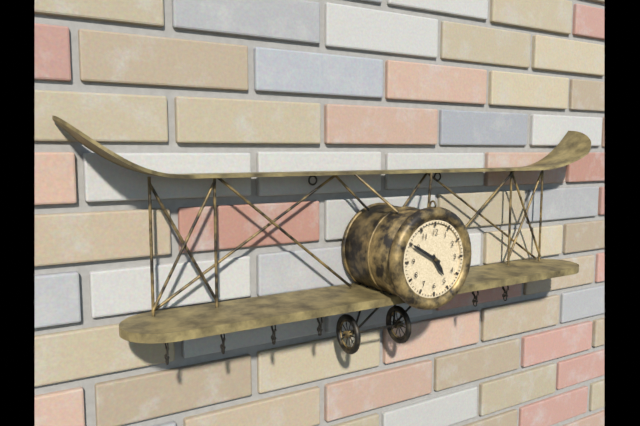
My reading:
{"hour": 4, "minute": 50}
